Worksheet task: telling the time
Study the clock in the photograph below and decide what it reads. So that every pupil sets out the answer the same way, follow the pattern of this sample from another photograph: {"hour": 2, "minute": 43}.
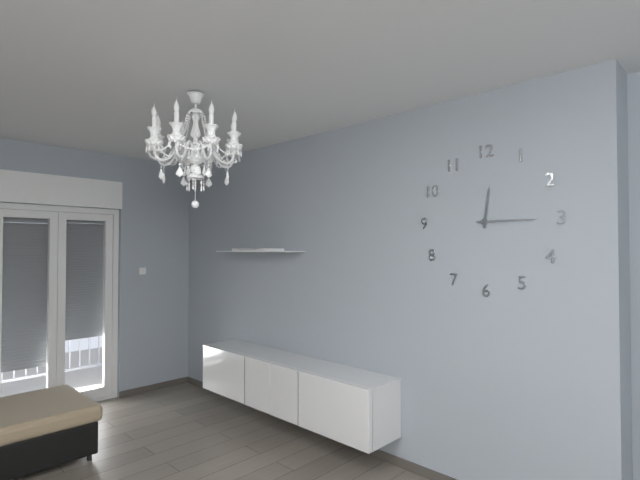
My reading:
{"hour": 12, "minute": 15}
